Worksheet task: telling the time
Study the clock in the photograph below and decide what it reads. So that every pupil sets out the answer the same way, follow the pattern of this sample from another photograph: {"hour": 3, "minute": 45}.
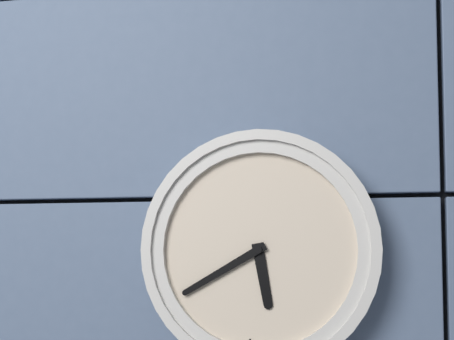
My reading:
{"hour": 5, "minute": 40}
